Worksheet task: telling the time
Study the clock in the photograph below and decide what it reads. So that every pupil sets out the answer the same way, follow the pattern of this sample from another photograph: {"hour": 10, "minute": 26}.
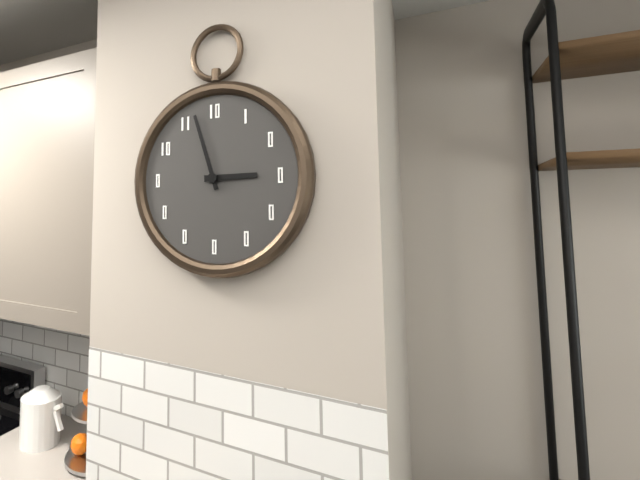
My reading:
{"hour": 2, "minute": 57}
